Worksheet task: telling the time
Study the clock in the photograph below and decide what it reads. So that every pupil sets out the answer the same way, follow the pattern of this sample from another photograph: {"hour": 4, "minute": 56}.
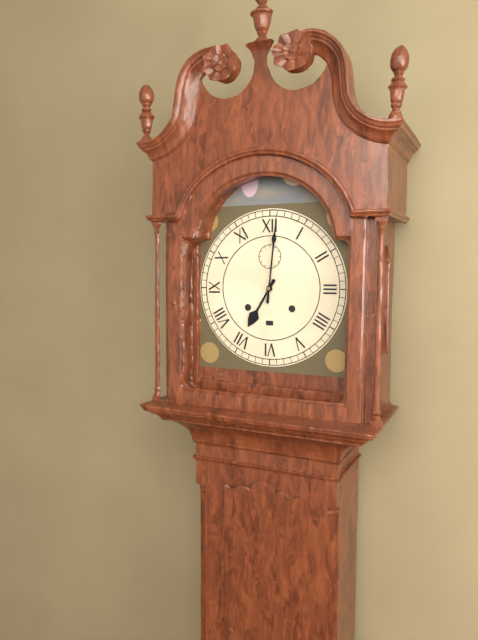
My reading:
{"hour": 7, "minute": 1}
